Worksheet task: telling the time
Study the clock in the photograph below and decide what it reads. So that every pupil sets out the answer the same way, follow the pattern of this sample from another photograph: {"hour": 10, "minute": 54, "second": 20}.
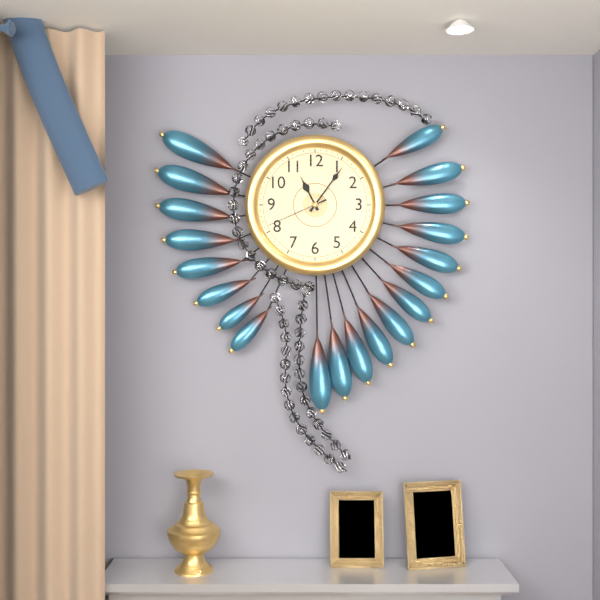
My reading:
{"hour": 11, "minute": 6, "second": 41}
